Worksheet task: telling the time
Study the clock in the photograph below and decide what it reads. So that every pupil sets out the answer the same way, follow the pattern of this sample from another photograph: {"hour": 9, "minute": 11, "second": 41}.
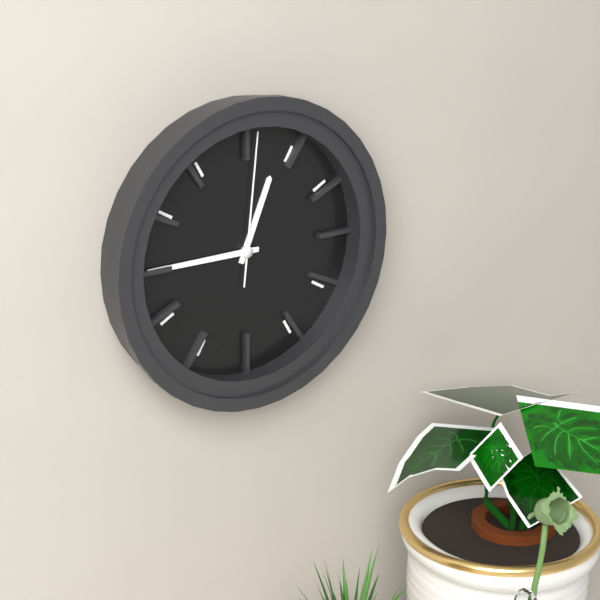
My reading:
{"hour": 12, "minute": 45, "second": 1}
